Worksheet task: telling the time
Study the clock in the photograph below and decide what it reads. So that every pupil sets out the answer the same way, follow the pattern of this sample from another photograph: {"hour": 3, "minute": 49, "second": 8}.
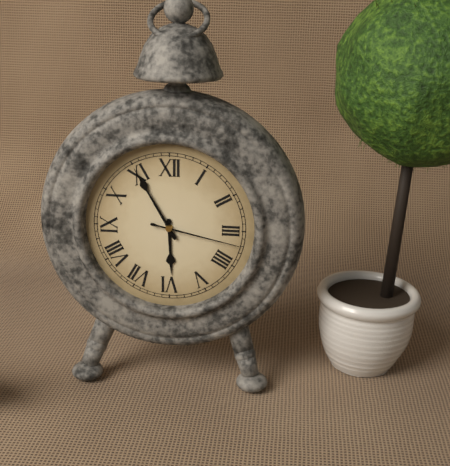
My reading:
{"hour": 5, "minute": 55, "second": 17}
